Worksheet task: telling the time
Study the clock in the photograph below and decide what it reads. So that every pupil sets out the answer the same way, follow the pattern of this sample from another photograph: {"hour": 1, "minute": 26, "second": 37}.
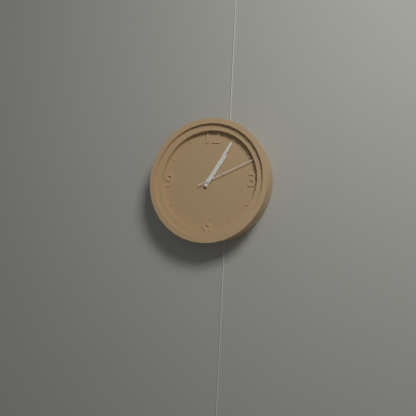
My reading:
{"hour": 1, "minute": 5, "second": 11}
